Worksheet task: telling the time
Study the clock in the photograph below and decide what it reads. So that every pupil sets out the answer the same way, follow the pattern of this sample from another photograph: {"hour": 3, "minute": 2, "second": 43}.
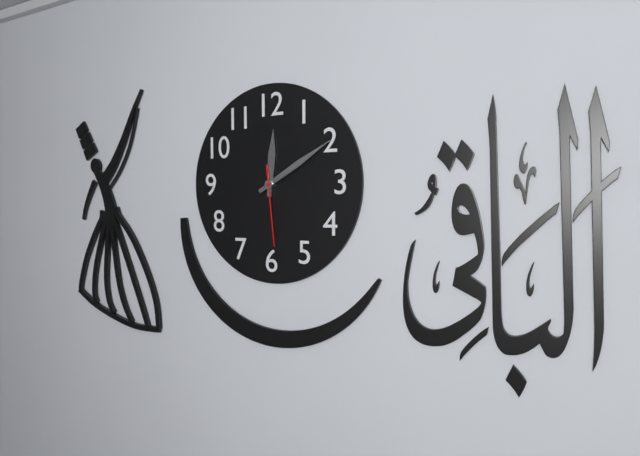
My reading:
{"hour": 12, "minute": 10, "second": 29}
